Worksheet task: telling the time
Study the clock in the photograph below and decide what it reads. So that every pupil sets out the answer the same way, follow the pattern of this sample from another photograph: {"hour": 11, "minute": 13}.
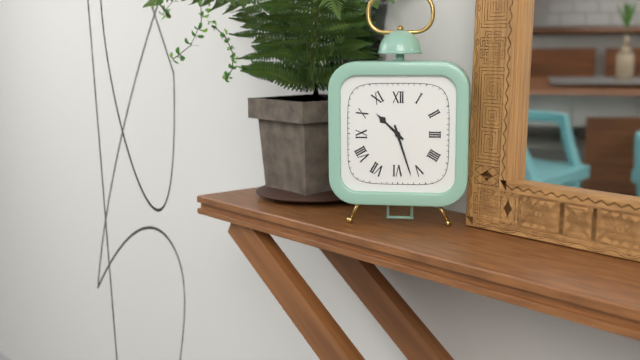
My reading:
{"hour": 10, "minute": 27}
